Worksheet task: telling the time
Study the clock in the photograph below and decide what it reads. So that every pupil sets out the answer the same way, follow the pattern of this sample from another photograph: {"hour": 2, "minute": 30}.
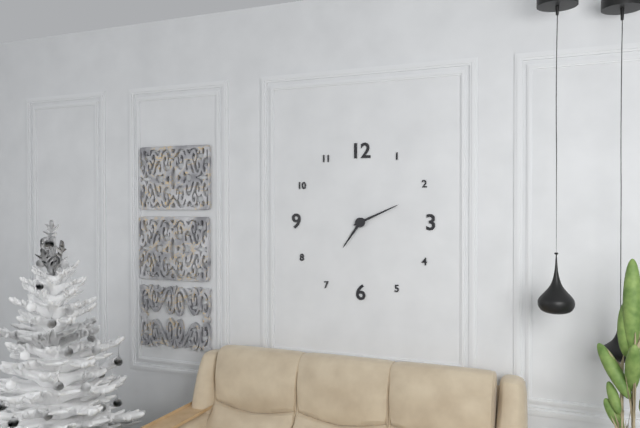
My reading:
{"hour": 7, "minute": 11}
